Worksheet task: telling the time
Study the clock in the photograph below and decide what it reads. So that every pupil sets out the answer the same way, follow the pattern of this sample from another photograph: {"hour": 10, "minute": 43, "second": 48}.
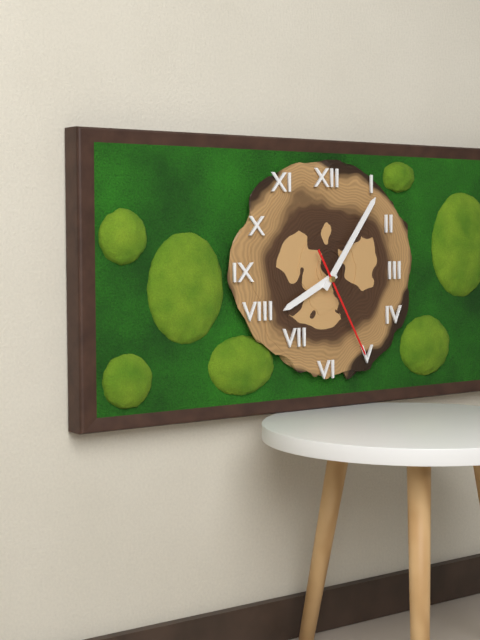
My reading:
{"hour": 8, "minute": 6, "second": 25}
